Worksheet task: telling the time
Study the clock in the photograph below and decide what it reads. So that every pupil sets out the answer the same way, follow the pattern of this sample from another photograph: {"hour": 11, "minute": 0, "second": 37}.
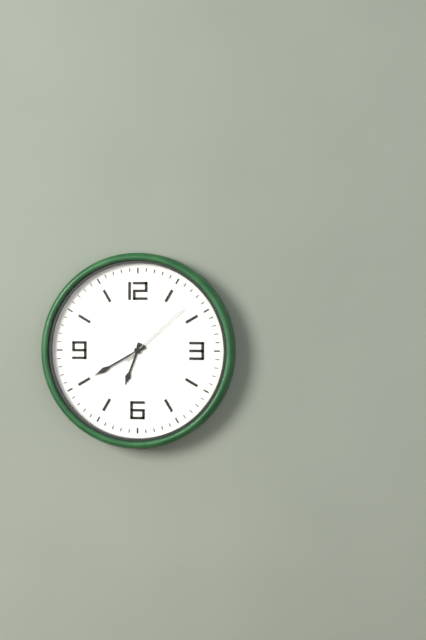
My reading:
{"hour": 6, "minute": 40, "second": 8}
